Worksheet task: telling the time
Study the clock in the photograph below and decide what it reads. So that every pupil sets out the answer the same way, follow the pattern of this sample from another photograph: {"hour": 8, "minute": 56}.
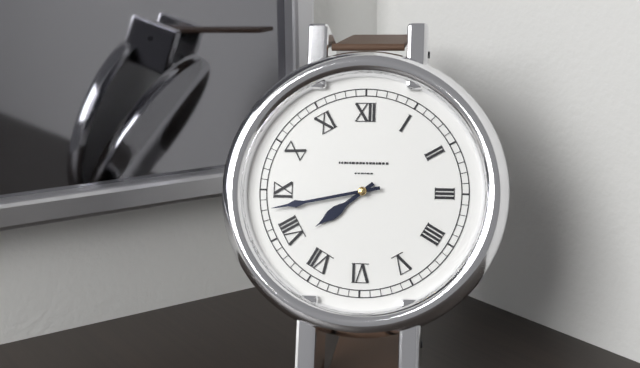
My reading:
{"hour": 7, "minute": 43}
